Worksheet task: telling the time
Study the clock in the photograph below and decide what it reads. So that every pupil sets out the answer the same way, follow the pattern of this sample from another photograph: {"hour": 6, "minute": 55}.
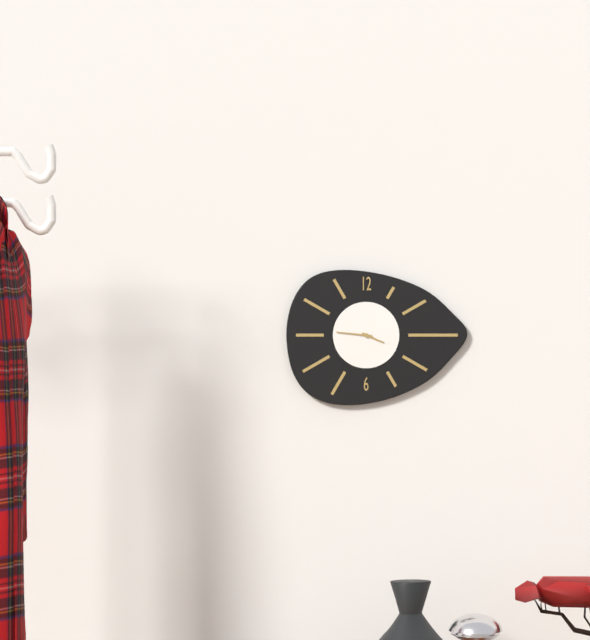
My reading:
{"hour": 3, "minute": 46}
